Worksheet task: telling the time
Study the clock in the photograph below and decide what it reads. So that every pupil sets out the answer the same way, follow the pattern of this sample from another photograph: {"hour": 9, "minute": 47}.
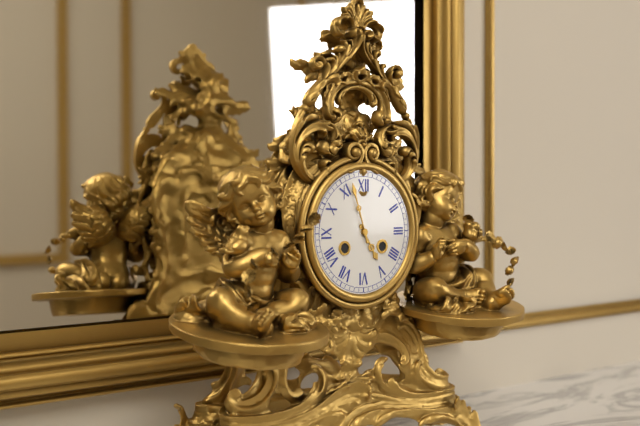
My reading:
{"hour": 4, "minute": 57}
